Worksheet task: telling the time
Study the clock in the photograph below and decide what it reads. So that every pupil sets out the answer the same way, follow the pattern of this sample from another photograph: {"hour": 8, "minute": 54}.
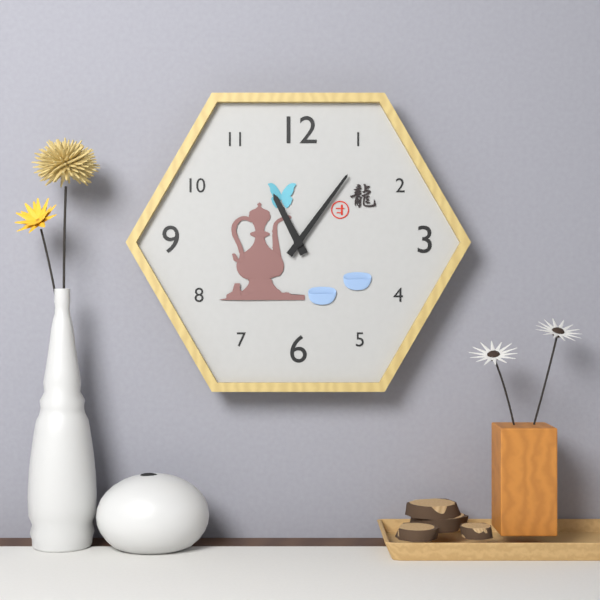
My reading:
{"hour": 11, "minute": 6}
